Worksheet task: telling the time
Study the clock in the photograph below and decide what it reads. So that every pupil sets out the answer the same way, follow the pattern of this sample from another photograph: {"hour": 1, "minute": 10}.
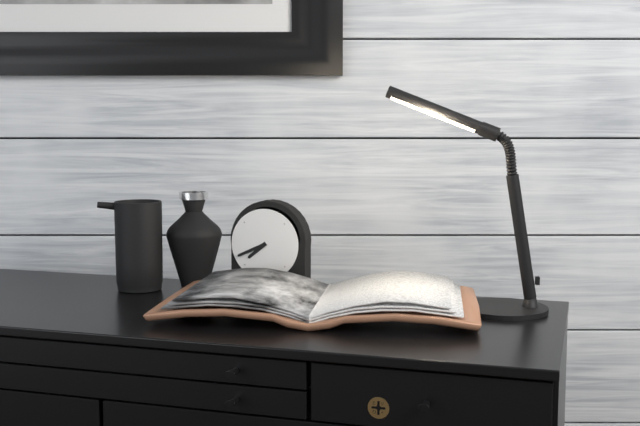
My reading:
{"hour": 7, "minute": 41}
